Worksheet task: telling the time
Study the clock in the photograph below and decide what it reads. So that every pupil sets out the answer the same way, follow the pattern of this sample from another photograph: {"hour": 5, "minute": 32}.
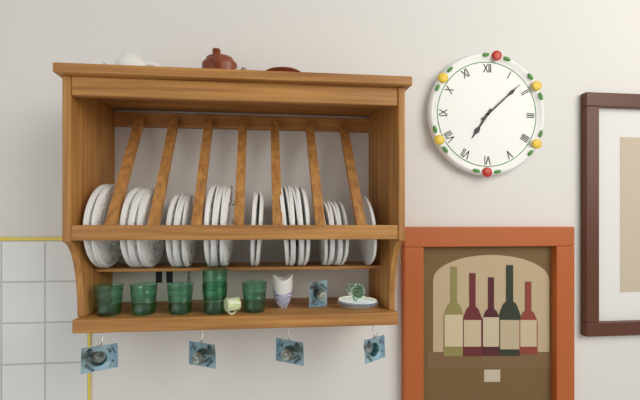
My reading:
{"hour": 7, "minute": 8}
